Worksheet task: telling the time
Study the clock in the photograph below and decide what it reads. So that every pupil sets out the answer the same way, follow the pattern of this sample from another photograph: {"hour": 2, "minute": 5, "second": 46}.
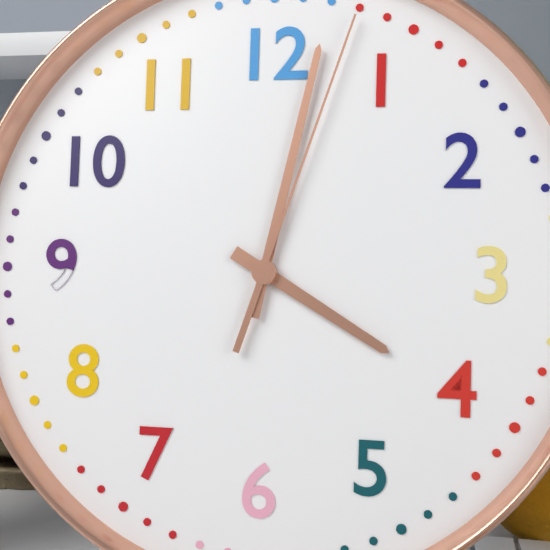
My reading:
{"hour": 4, "minute": 2, "second": 3}
